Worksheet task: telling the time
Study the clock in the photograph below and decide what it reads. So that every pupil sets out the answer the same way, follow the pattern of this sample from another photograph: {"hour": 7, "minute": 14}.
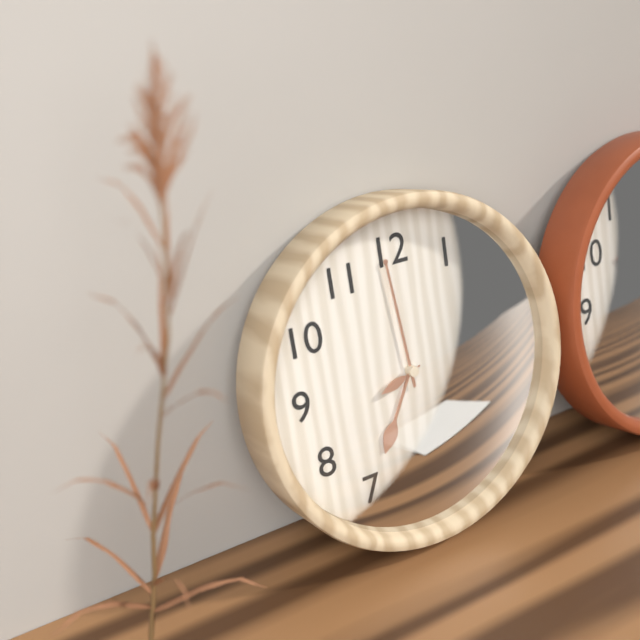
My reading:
{"hour": 6, "minute": 59}
